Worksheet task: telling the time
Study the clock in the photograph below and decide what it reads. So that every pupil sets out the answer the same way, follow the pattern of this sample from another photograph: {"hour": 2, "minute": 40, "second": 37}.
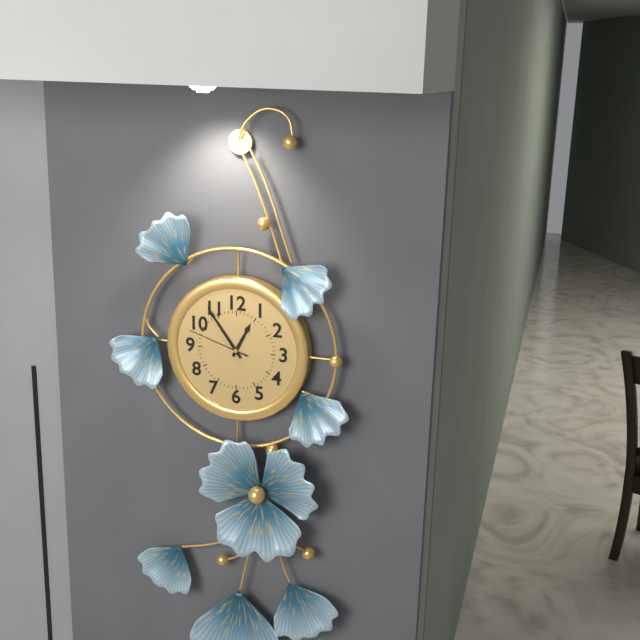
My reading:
{"hour": 12, "minute": 54, "second": 48}
